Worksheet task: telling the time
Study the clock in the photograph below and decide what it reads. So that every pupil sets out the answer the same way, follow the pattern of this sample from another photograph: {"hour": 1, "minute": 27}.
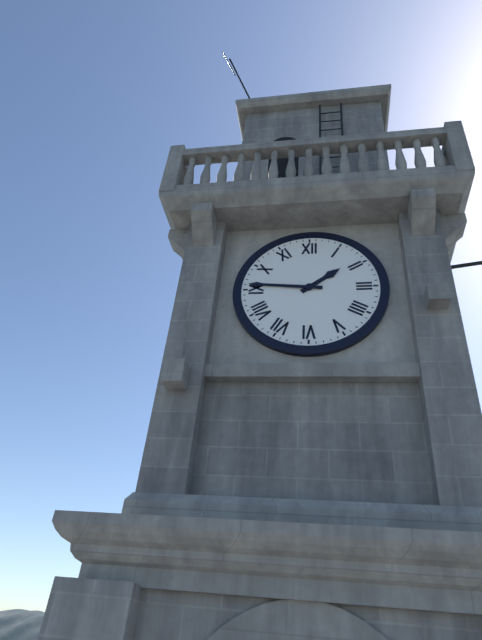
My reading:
{"hour": 1, "minute": 46}
